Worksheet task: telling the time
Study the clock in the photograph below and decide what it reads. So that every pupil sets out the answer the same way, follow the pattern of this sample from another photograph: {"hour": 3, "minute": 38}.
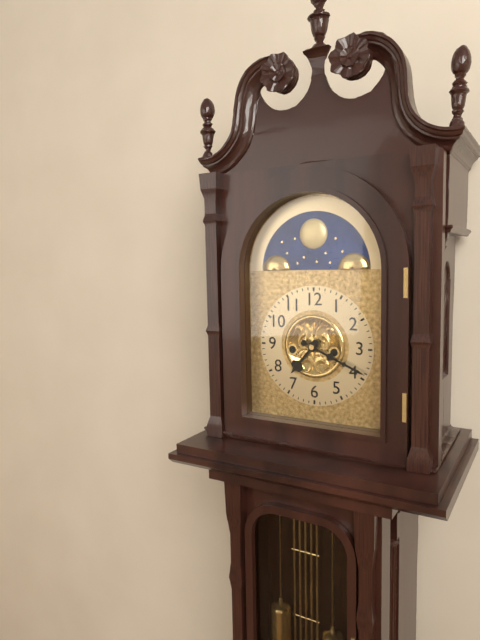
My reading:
{"hour": 7, "minute": 19}
